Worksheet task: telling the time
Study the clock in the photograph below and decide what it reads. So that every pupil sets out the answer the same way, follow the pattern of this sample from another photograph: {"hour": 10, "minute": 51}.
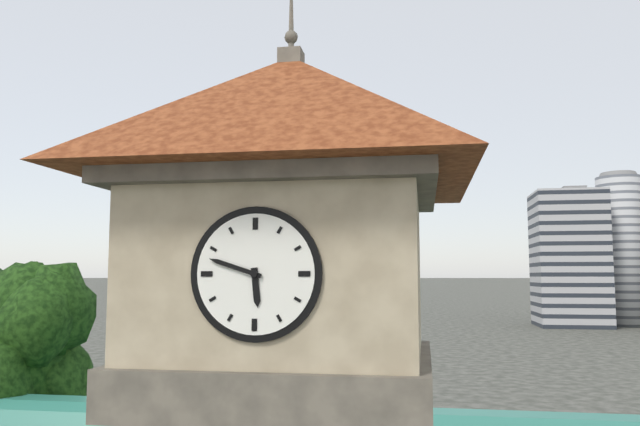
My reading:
{"hour": 5, "minute": 48}
